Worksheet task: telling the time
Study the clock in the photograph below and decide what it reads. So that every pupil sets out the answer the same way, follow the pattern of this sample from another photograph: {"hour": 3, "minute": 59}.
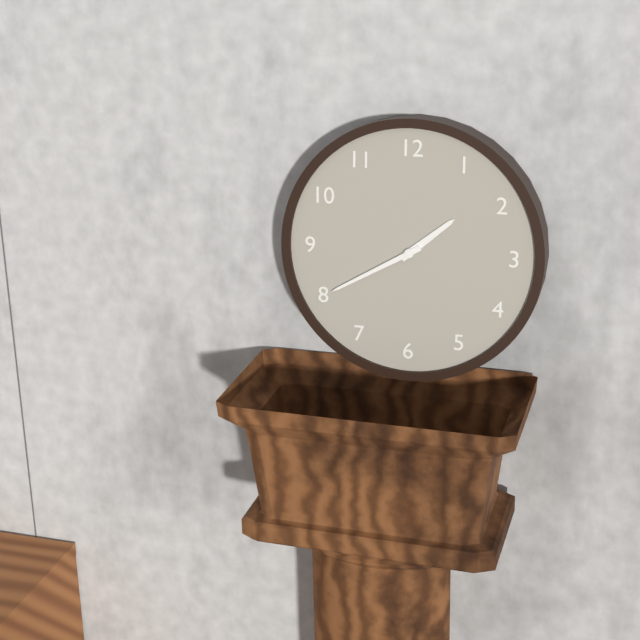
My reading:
{"hour": 1, "minute": 40}
